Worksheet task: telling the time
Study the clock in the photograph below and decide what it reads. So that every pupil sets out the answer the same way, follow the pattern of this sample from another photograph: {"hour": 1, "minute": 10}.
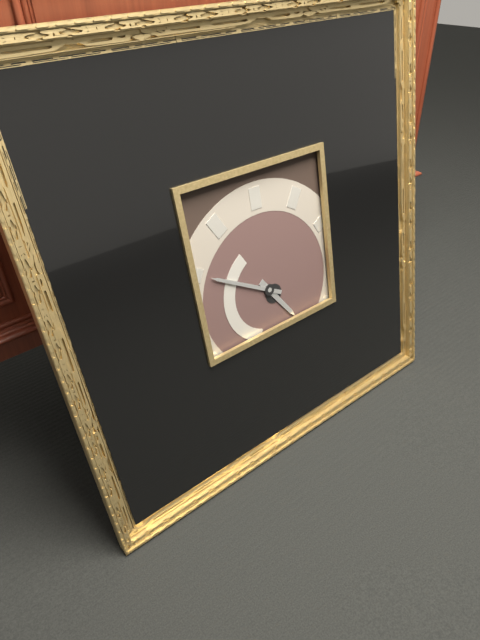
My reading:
{"hour": 4, "minute": 50}
